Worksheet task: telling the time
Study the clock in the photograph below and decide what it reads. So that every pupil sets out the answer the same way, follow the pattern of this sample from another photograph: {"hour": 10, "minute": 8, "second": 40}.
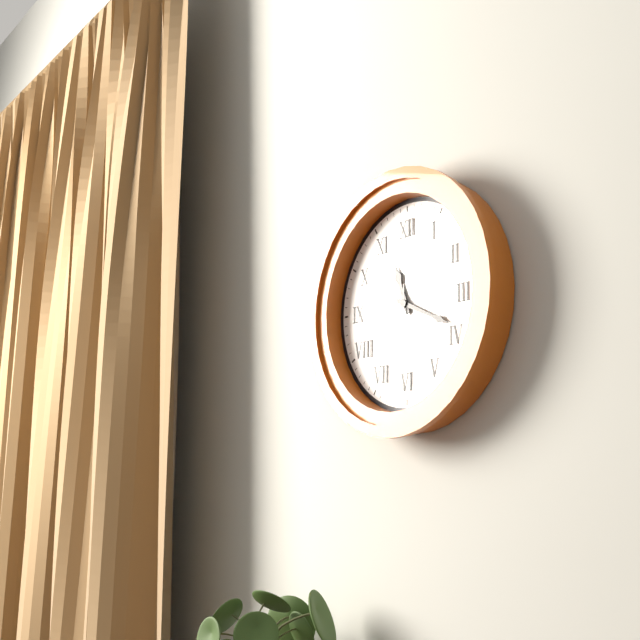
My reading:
{"hour": 11, "minute": 19, "second": 30}
